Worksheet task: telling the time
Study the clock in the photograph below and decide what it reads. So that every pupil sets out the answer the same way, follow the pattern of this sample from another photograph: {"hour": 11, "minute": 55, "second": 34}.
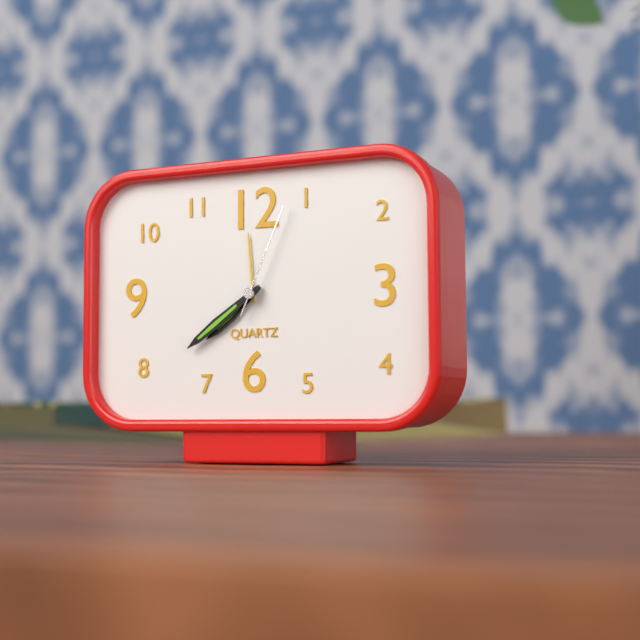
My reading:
{"hour": 7, "minute": 39, "second": 4}
